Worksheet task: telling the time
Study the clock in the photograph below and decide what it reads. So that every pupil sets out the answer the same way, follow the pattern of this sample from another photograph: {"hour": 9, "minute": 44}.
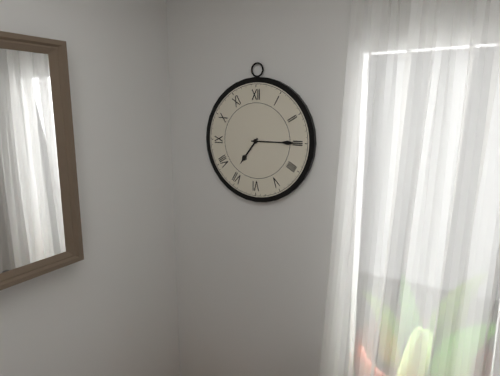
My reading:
{"hour": 7, "minute": 15}
